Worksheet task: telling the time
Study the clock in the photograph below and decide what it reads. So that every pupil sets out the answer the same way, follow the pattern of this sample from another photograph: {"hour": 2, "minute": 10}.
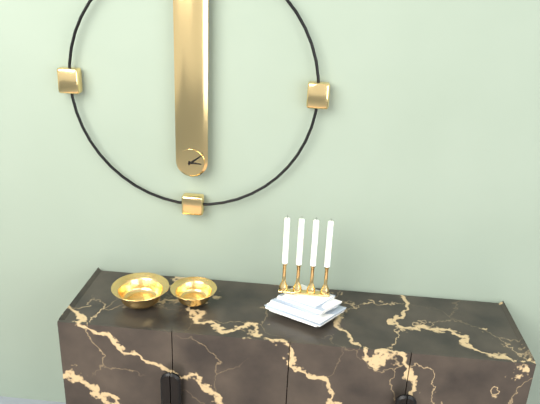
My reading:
{"hour": 3, "minute": 9}
